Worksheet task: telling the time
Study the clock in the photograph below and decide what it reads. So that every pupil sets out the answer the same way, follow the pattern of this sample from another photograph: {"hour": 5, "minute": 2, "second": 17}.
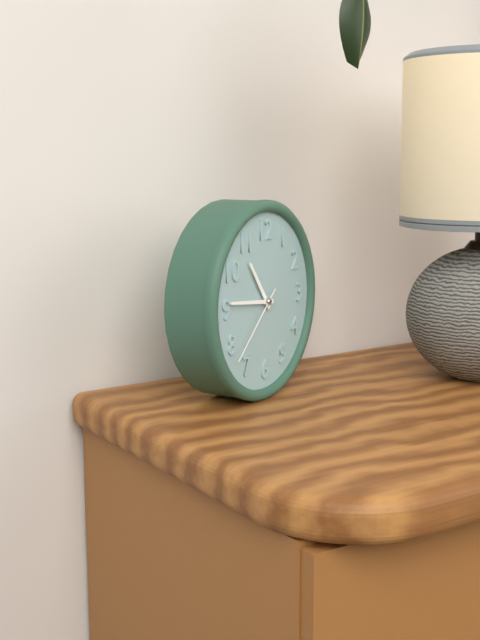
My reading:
{"hour": 10, "minute": 46, "second": 38}
